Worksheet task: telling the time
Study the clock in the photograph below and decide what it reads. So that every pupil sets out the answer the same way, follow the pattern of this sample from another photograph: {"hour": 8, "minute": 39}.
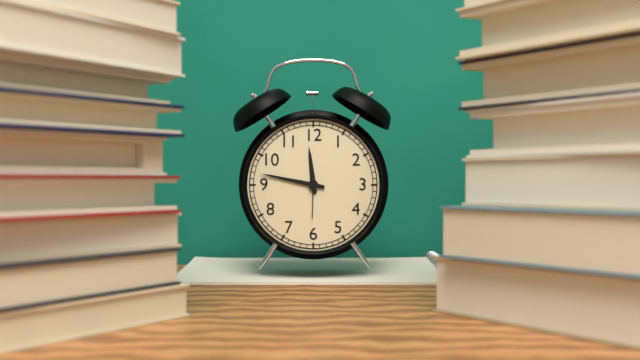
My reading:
{"hour": 11, "minute": 47}
